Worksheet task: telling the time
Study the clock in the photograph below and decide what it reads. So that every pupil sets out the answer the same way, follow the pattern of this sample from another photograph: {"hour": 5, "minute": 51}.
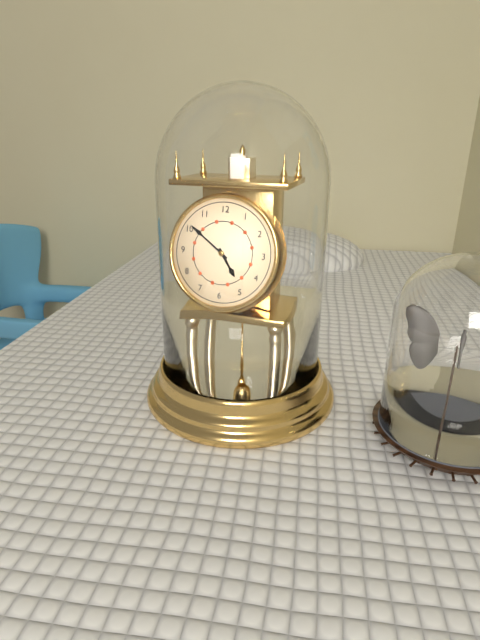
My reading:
{"hour": 4, "minute": 51}
